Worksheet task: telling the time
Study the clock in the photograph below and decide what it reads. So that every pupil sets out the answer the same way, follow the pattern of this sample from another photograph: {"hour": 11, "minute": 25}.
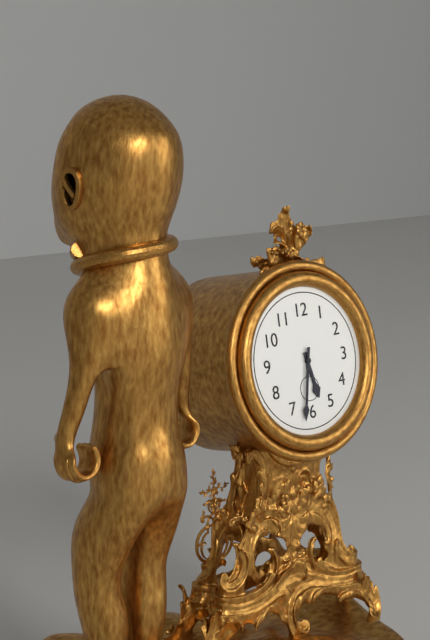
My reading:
{"hour": 5, "minute": 32}
